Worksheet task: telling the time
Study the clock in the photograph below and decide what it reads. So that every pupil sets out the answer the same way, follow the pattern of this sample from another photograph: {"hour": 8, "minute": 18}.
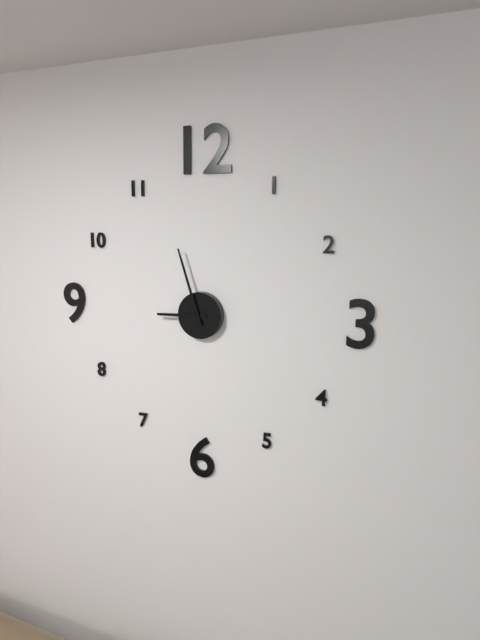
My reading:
{"hour": 8, "minute": 57}
